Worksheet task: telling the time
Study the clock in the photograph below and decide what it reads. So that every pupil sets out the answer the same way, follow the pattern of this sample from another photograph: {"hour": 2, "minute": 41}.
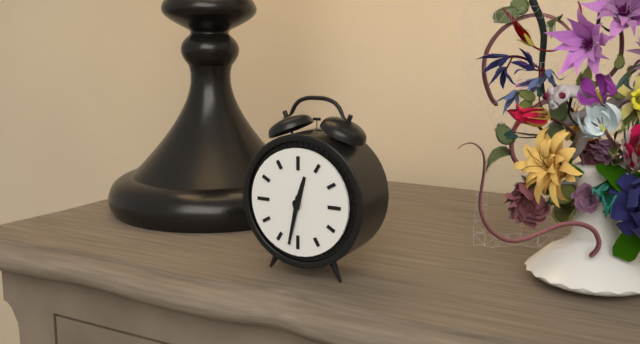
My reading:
{"hour": 12, "minute": 32}
